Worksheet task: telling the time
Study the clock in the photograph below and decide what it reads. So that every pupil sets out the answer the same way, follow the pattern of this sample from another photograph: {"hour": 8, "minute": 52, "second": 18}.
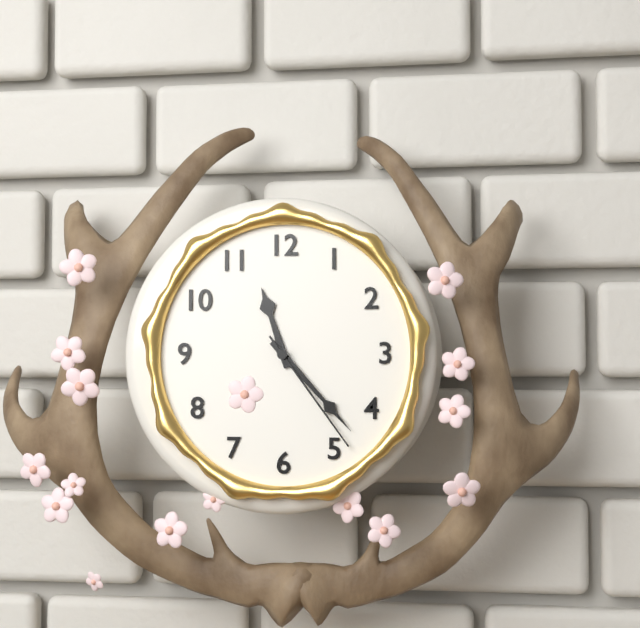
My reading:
{"hour": 11, "minute": 23, "second": 24}
